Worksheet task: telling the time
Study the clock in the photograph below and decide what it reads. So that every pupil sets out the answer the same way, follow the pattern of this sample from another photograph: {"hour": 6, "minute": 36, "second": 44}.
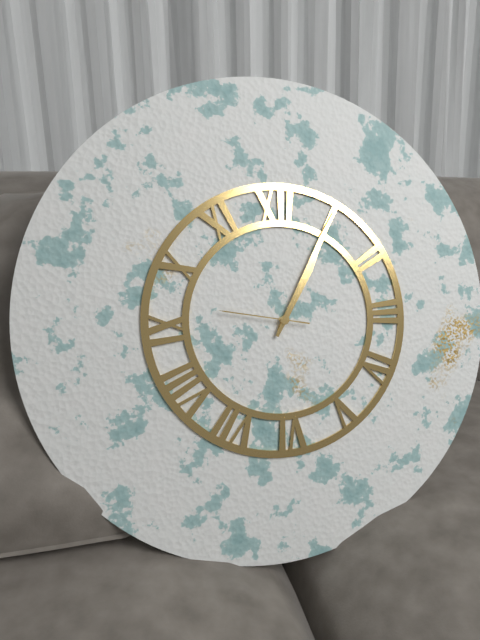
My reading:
{"hour": 1, "minute": 5, "second": 47}
